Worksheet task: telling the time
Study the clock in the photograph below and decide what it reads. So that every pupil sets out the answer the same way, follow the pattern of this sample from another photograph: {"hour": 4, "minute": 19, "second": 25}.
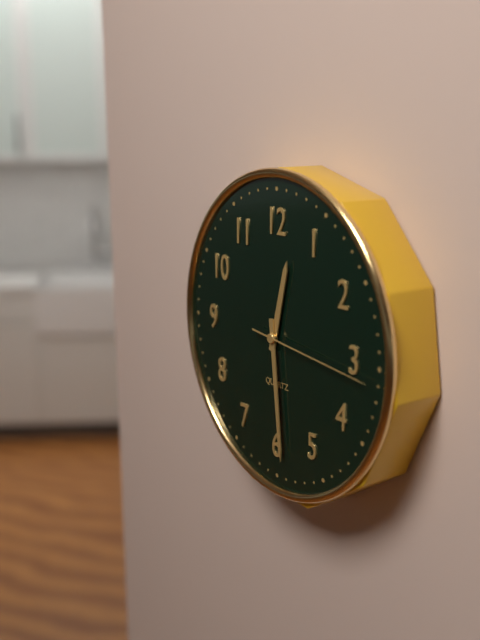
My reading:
{"hour": 12, "minute": 29, "second": 16}
